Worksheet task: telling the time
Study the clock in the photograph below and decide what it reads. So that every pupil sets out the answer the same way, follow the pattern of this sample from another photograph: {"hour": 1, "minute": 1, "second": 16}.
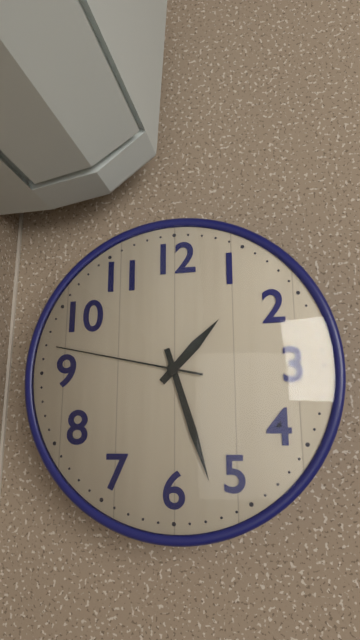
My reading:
{"hour": 1, "minute": 27, "second": 47}
